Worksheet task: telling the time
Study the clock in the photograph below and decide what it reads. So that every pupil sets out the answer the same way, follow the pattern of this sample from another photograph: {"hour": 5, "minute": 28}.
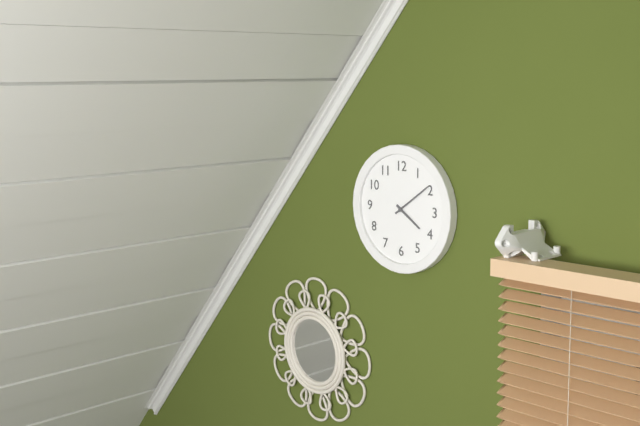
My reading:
{"hour": 4, "minute": 9}
